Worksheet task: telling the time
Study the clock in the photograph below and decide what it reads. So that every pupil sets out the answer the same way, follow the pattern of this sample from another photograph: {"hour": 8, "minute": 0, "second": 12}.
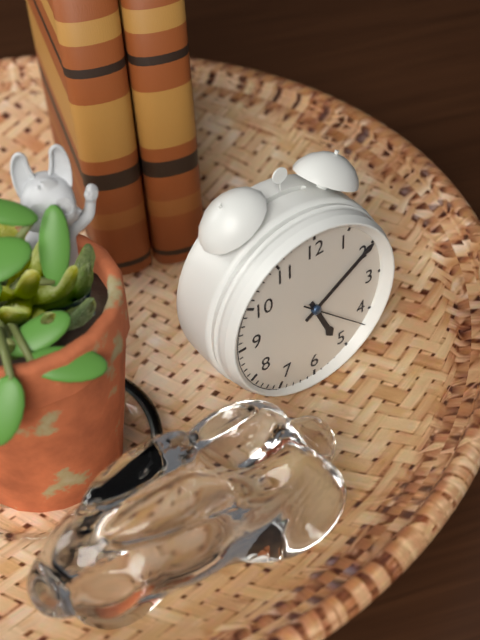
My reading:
{"hour": 5, "minute": 10, "second": 22}
